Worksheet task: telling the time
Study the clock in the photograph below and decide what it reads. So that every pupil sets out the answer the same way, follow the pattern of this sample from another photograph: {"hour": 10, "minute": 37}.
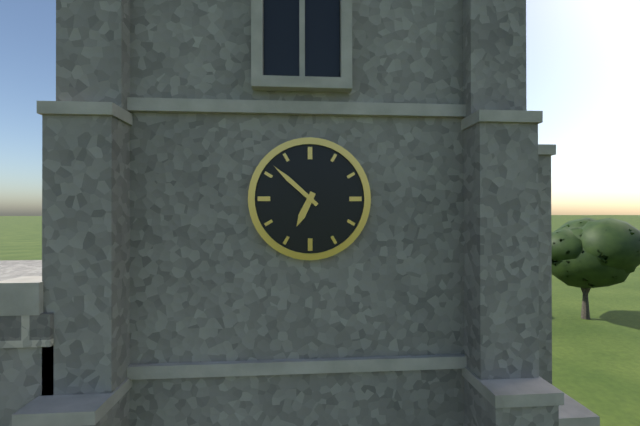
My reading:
{"hour": 6, "minute": 52}
